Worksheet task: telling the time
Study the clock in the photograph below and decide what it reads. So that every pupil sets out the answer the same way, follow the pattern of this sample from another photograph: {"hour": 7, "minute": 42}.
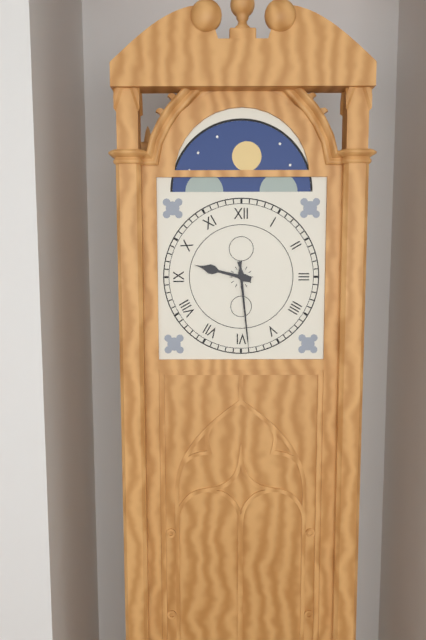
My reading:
{"hour": 9, "minute": 29}
